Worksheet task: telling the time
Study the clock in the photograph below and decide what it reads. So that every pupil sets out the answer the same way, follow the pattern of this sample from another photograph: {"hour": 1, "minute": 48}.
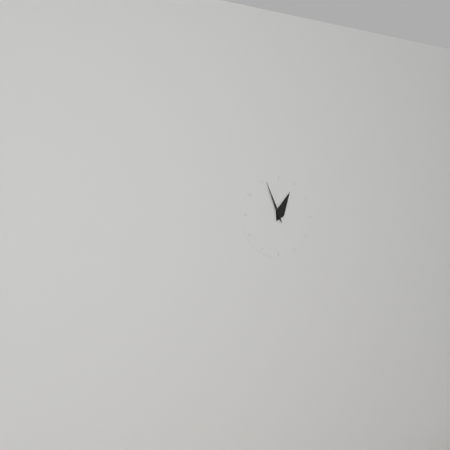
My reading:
{"hour": 12, "minute": 56}
